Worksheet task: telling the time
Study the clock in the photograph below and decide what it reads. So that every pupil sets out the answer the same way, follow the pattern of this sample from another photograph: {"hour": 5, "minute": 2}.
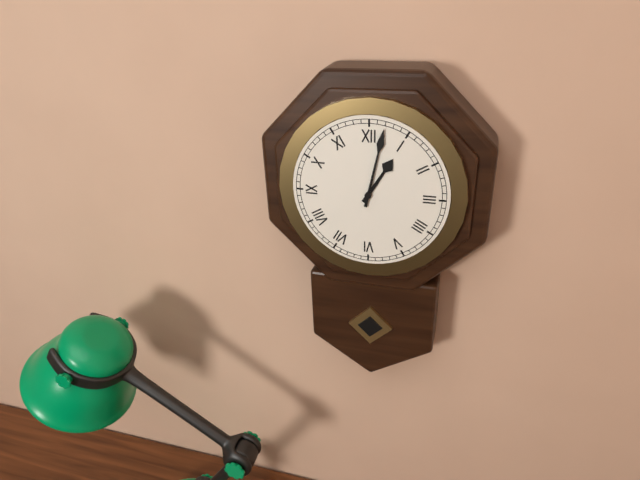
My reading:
{"hour": 1, "minute": 2}
